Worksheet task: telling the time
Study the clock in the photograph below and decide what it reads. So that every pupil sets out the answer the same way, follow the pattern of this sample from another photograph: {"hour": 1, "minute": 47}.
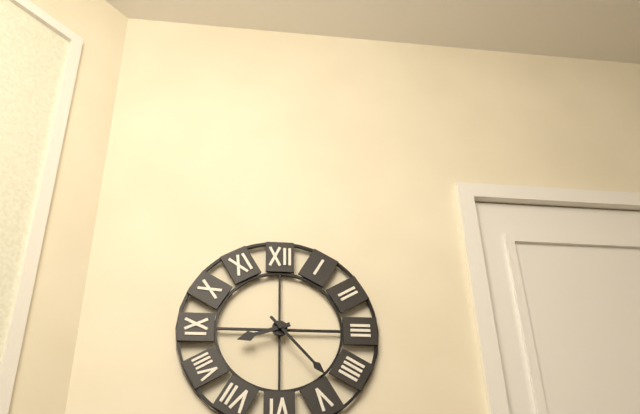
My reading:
{"hour": 8, "minute": 23}
